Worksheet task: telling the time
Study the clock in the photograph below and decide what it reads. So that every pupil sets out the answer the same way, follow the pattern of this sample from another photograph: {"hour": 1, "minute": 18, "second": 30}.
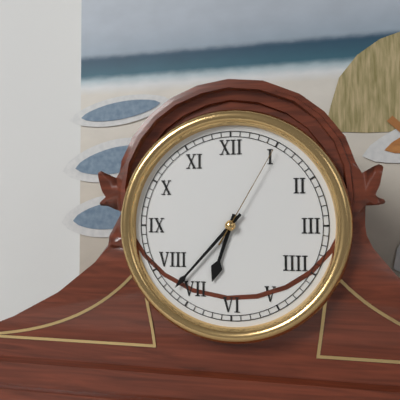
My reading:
{"hour": 6, "minute": 37, "second": 5}
